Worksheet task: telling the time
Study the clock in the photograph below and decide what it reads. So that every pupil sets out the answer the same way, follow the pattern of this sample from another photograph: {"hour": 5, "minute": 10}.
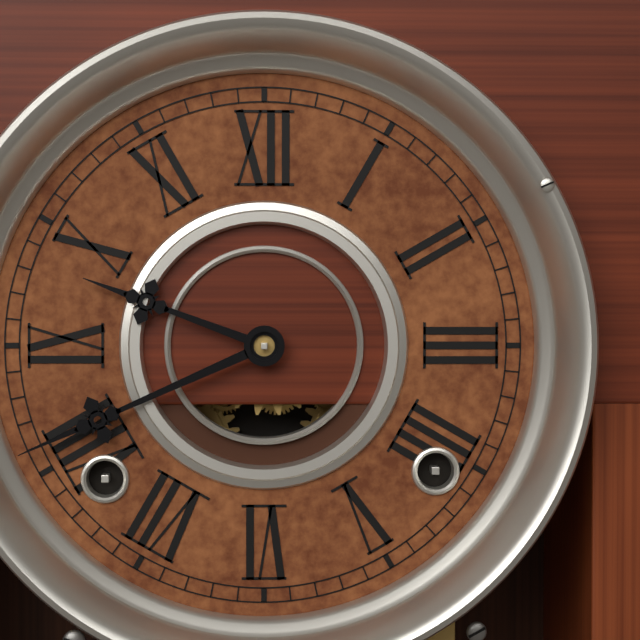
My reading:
{"hour": 9, "minute": 41}
